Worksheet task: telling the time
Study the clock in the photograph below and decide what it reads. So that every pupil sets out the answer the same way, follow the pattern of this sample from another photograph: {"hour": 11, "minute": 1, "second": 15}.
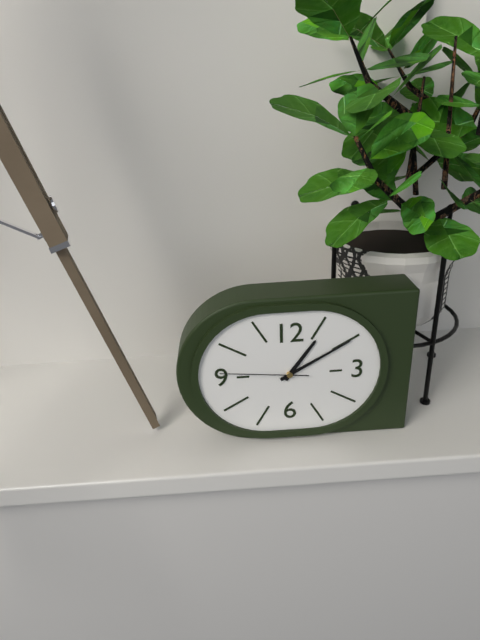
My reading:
{"hour": 1, "minute": 10, "second": 46}
